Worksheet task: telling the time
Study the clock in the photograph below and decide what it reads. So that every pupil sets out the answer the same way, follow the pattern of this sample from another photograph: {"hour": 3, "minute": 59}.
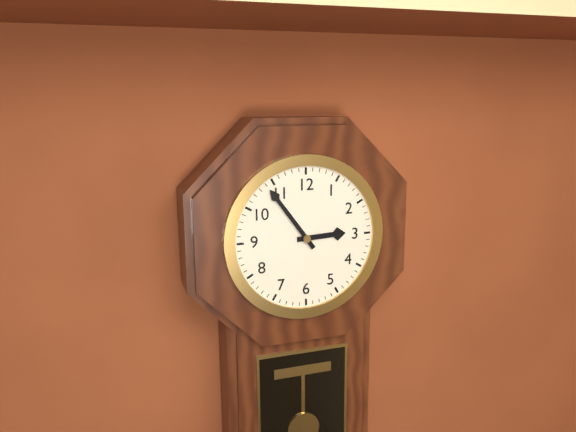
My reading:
{"hour": 2, "minute": 54}
